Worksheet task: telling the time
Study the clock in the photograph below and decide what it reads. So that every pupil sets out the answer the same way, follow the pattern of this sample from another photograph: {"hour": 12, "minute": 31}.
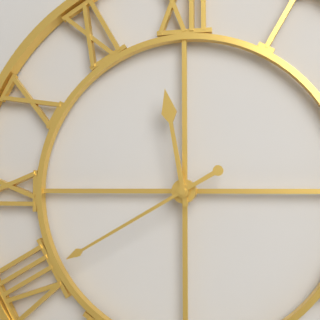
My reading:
{"hour": 11, "minute": 40}
